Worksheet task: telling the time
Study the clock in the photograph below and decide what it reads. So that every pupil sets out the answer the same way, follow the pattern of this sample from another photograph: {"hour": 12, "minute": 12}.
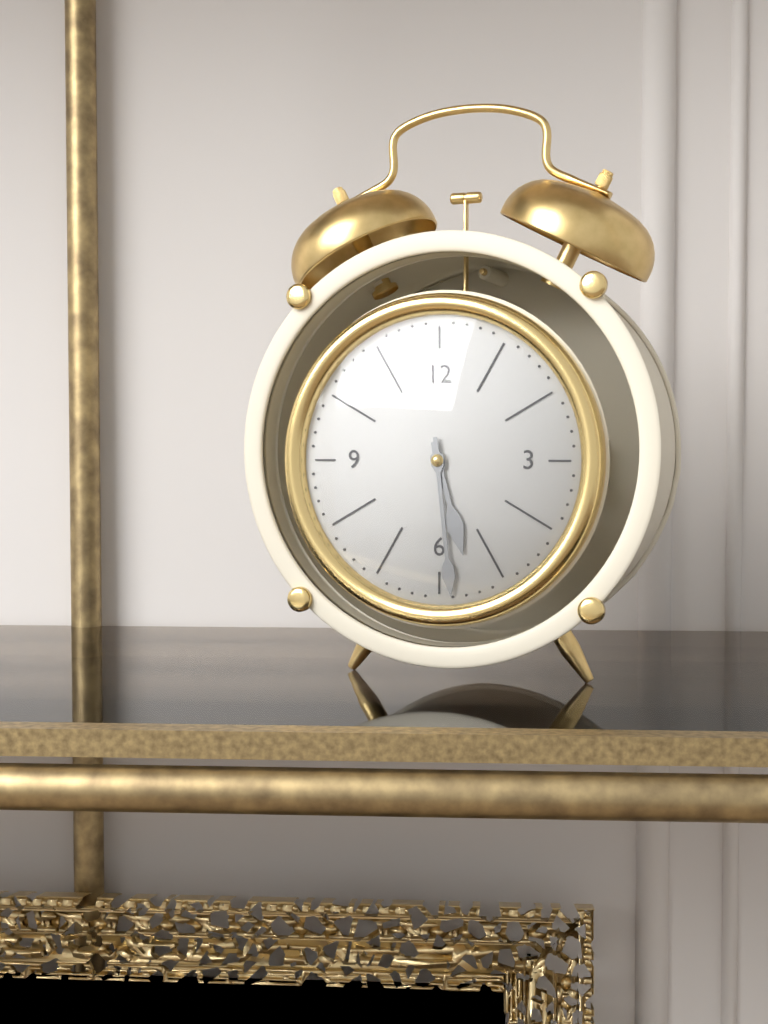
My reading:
{"hour": 5, "minute": 29}
